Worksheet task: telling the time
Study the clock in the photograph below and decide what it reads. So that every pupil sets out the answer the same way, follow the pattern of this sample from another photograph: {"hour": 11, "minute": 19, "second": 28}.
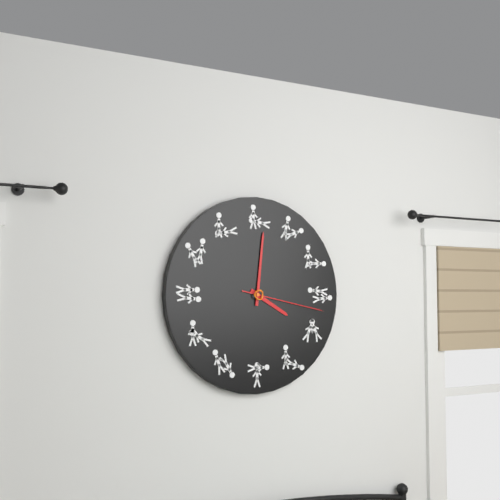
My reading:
{"hour": 4, "minute": 1, "second": 17}
